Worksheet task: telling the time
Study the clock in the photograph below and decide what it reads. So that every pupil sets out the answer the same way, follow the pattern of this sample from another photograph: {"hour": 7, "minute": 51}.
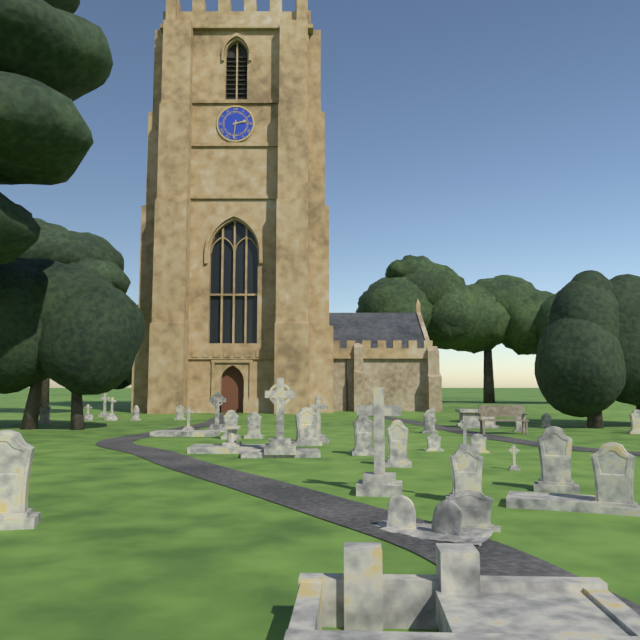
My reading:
{"hour": 2, "minute": 31}
